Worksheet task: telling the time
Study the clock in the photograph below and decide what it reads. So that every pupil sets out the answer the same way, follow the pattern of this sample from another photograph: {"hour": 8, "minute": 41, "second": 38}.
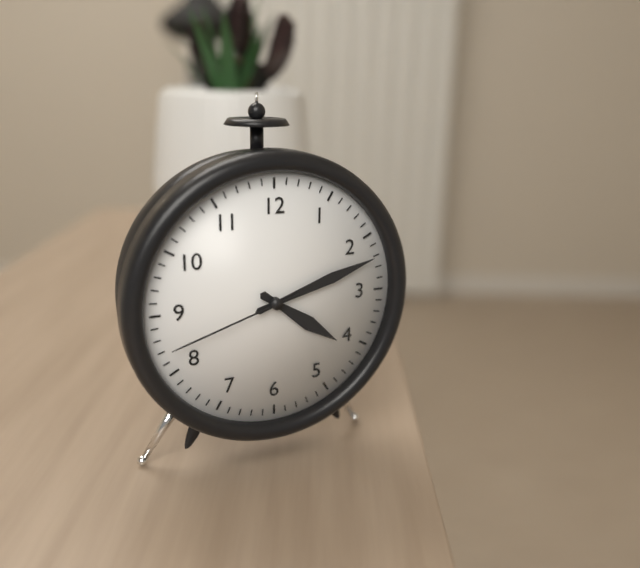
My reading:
{"hour": 4, "minute": 12, "second": 42}
